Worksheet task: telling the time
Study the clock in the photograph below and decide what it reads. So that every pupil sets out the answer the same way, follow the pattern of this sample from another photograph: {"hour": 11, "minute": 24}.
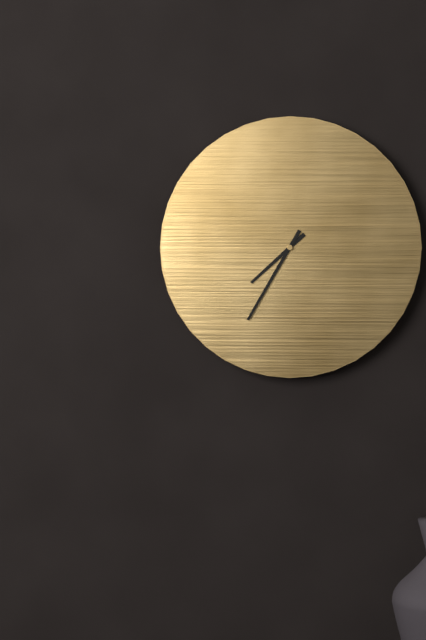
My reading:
{"hour": 7, "minute": 35}
